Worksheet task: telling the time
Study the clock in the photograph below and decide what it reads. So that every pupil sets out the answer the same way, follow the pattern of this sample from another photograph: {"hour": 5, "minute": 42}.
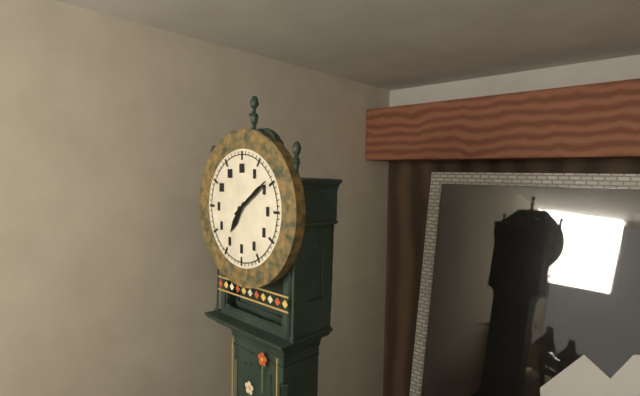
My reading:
{"hour": 7, "minute": 9}
